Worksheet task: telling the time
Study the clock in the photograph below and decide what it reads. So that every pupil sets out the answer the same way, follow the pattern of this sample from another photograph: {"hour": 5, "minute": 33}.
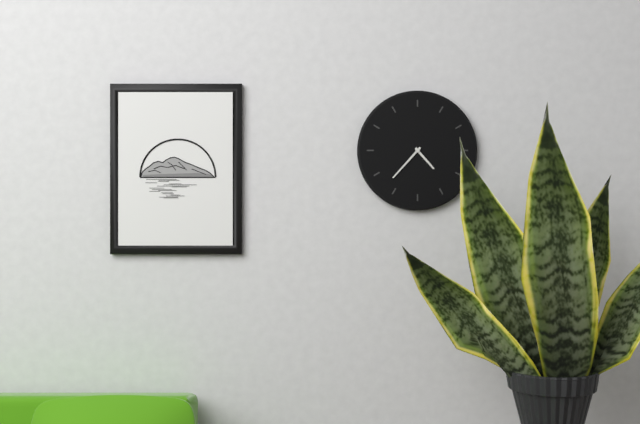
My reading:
{"hour": 4, "minute": 37}
